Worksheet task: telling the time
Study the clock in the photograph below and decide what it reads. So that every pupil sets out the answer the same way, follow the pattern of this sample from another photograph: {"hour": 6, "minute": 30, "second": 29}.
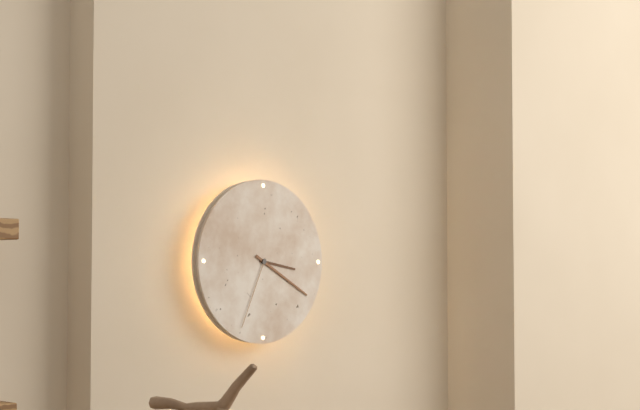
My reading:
{"hour": 3, "minute": 20, "second": 34}
